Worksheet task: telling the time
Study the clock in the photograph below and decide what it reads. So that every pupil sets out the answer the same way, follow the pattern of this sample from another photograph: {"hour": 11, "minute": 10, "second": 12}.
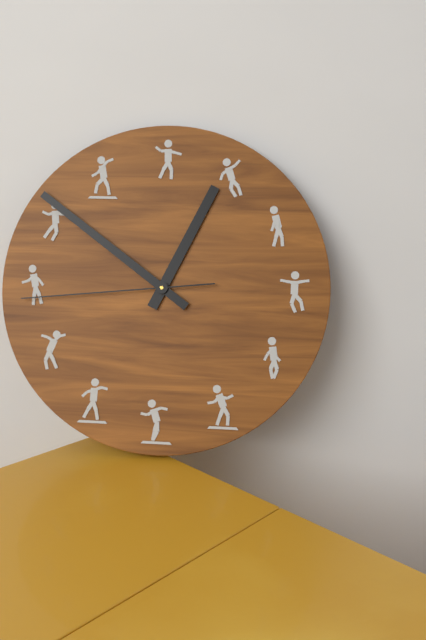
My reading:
{"hour": 12, "minute": 51, "second": 44}
